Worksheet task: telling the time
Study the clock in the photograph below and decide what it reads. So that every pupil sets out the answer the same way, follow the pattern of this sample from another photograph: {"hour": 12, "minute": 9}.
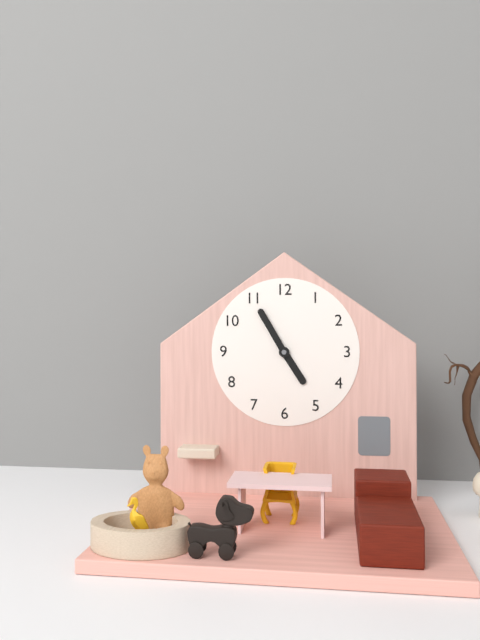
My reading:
{"hour": 4, "minute": 55}
